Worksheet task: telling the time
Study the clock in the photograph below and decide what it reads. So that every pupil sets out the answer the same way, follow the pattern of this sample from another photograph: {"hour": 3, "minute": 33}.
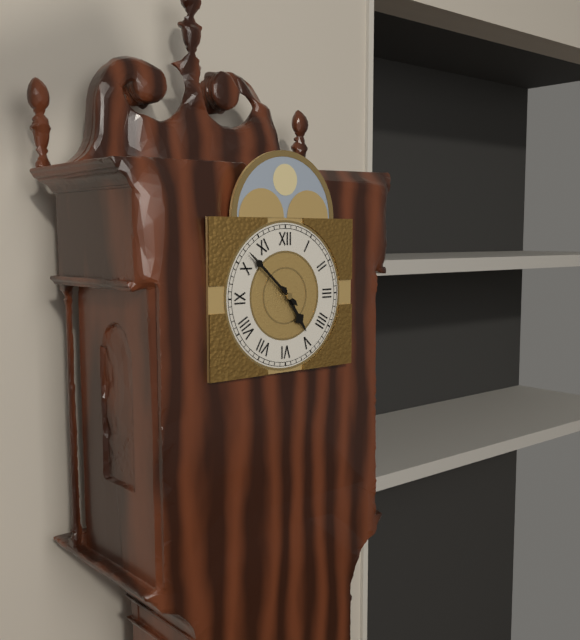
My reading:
{"hour": 4, "minute": 52}
